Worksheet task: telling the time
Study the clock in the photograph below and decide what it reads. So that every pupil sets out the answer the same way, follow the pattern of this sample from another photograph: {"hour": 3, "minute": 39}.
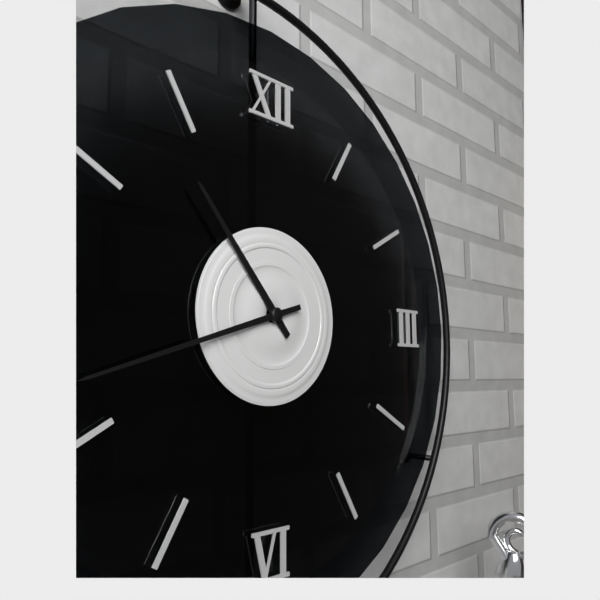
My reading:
{"hour": 10, "minute": 42}
